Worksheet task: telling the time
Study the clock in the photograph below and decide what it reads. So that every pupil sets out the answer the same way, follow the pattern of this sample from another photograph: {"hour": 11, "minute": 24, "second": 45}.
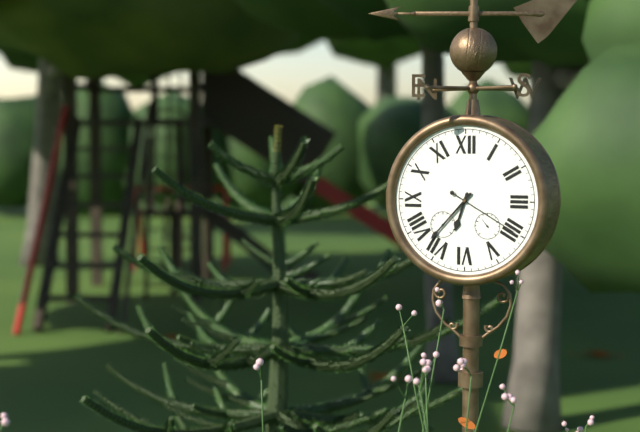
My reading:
{"hour": 6, "minute": 37, "second": 20}
